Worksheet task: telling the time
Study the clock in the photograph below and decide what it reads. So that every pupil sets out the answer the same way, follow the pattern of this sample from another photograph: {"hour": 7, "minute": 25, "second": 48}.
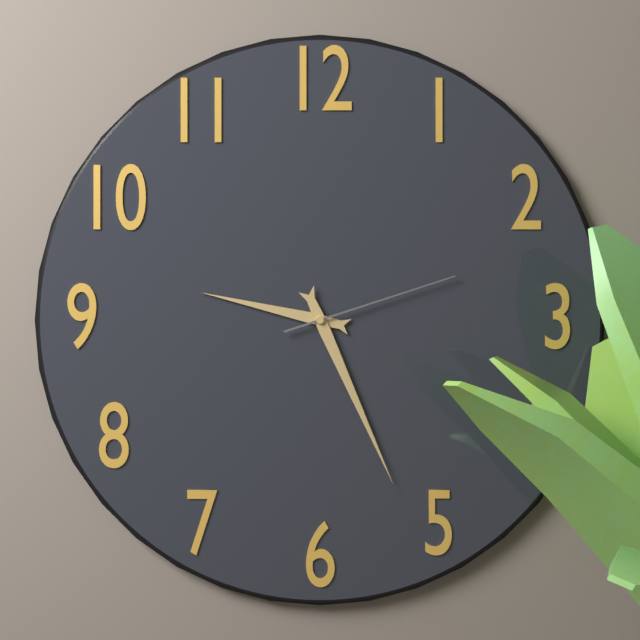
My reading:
{"hour": 9, "minute": 26, "second": 12}
